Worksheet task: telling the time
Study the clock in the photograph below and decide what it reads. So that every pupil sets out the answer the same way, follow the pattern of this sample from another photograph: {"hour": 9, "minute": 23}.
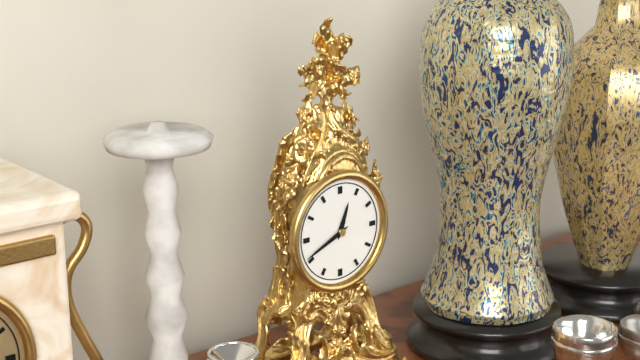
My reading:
{"hour": 12, "minute": 41}
